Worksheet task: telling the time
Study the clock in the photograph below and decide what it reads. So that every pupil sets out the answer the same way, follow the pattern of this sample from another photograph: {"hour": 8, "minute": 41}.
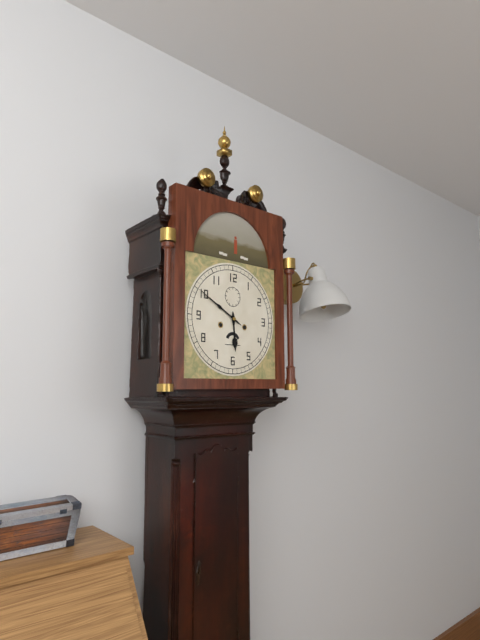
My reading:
{"hour": 5, "minute": 50}
